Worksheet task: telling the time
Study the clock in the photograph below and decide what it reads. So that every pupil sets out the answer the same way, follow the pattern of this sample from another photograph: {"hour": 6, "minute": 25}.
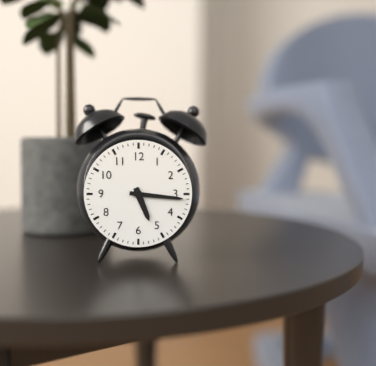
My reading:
{"hour": 5, "minute": 16}
